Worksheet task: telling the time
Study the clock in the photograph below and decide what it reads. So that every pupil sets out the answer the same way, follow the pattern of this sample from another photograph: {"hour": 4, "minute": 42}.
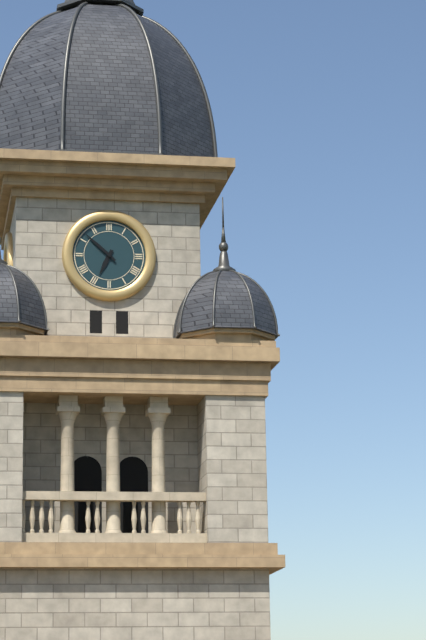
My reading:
{"hour": 6, "minute": 52}
